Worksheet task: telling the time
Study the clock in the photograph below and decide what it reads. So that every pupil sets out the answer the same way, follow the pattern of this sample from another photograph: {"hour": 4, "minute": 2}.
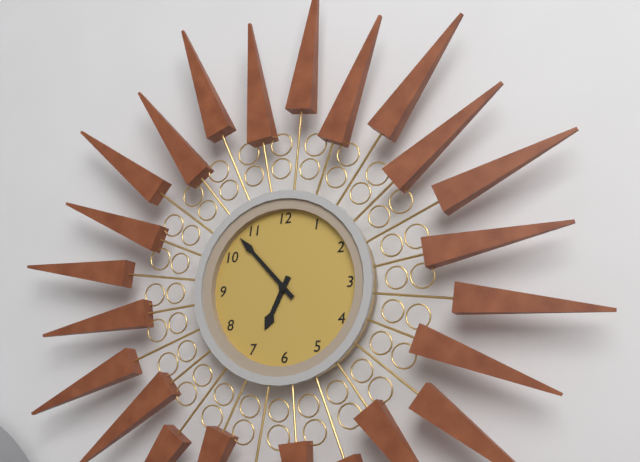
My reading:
{"hour": 6, "minute": 53}
